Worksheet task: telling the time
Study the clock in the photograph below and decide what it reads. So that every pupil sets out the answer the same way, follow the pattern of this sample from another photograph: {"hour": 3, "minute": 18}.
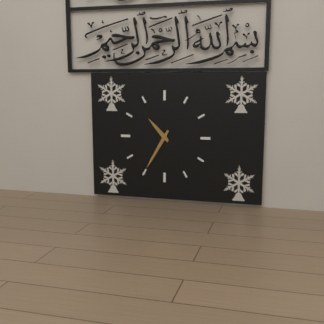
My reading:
{"hour": 10, "minute": 35}
